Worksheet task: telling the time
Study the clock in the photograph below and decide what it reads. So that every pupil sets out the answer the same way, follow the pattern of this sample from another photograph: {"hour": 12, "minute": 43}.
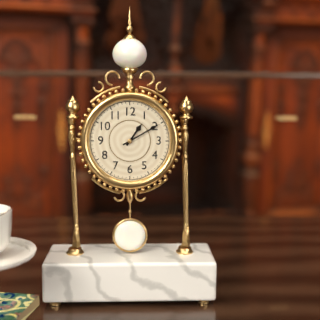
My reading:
{"hour": 1, "minute": 10}
